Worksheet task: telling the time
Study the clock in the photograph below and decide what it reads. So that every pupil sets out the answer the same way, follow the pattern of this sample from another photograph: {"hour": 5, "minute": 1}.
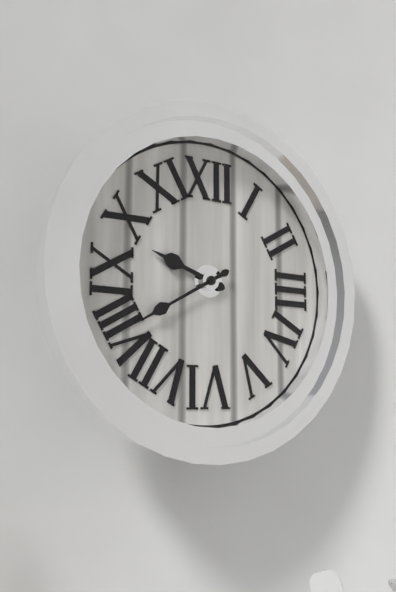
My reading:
{"hour": 9, "minute": 40}
